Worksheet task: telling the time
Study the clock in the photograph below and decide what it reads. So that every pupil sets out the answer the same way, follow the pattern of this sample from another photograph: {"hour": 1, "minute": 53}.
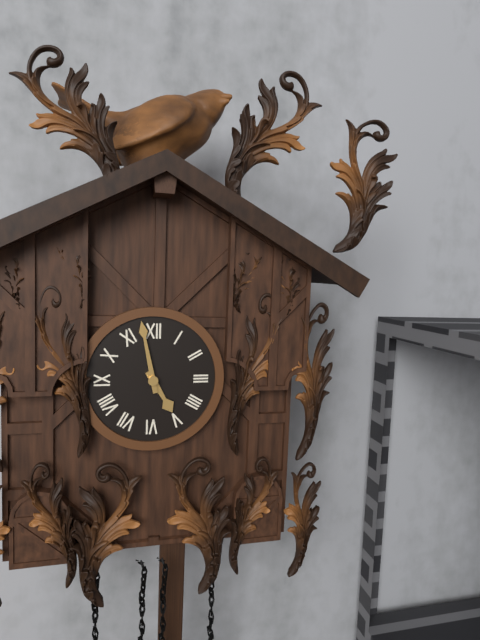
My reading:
{"hour": 4, "minute": 58}
